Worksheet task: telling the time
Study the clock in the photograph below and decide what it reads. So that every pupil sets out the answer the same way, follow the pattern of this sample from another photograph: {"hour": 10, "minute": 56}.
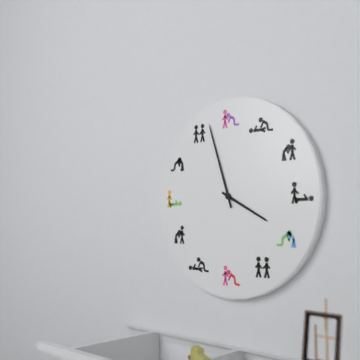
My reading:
{"hour": 3, "minute": 57}
